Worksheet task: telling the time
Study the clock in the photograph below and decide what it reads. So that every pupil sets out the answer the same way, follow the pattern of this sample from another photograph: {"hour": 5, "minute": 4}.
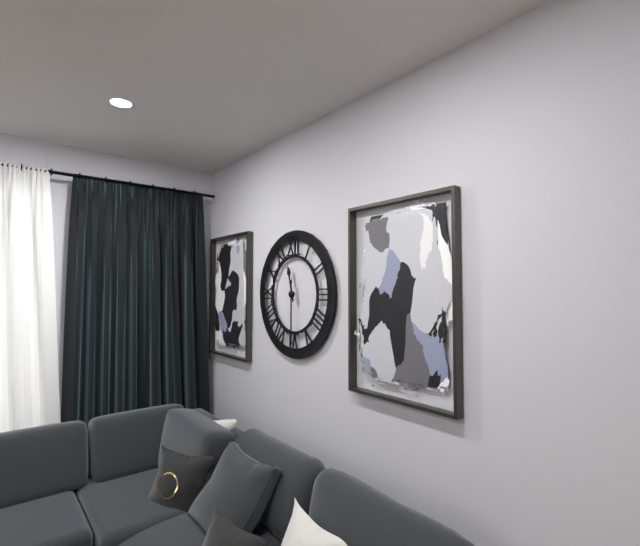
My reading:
{"hour": 11, "minute": 30}
